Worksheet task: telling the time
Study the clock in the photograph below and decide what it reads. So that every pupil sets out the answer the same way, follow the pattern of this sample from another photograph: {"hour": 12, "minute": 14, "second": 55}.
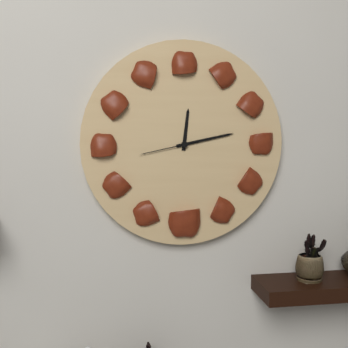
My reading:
{"hour": 12, "minute": 13, "second": 43}
